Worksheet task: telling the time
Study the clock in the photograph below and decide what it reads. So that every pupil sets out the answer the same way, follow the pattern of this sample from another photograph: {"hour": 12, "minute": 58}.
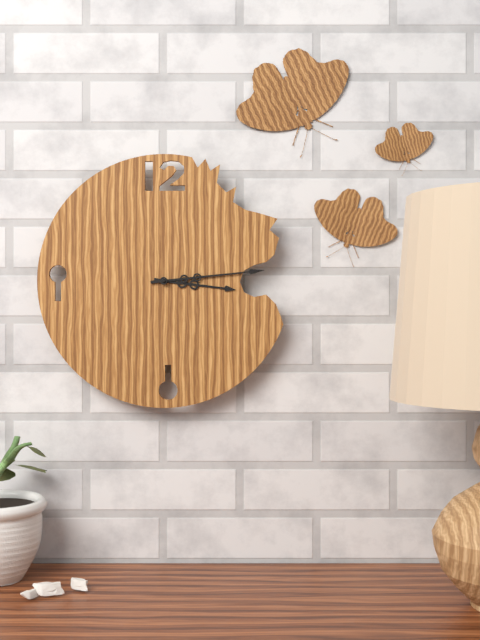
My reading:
{"hour": 3, "minute": 14}
